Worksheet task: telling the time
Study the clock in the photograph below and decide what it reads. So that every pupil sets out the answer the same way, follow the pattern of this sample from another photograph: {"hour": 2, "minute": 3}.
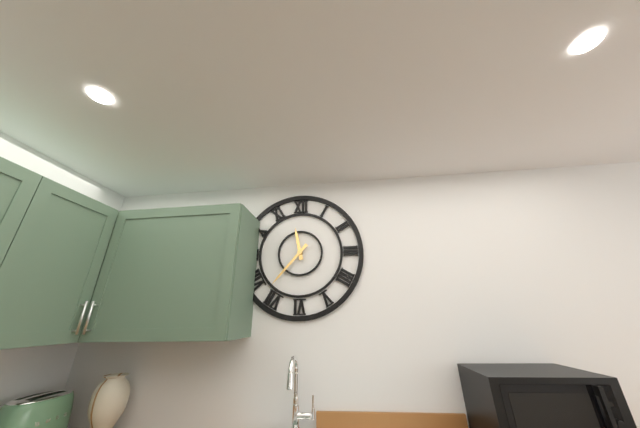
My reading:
{"hour": 11, "minute": 37}
